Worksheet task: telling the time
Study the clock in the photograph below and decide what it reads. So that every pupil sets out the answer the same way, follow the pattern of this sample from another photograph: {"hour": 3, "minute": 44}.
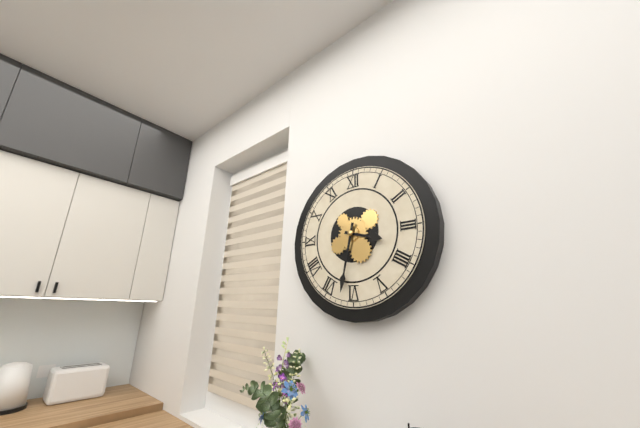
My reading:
{"hour": 3, "minute": 32}
